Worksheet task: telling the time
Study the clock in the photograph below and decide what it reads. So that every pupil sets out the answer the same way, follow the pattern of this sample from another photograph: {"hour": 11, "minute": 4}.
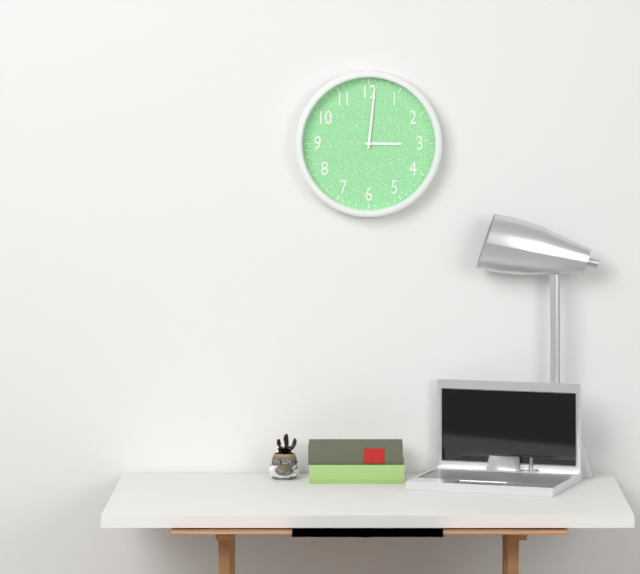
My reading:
{"hour": 3, "minute": 1}
